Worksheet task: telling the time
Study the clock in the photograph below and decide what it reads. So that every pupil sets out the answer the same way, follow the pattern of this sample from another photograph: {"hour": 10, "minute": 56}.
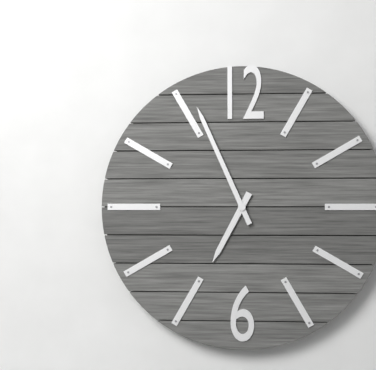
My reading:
{"hour": 6, "minute": 56}
